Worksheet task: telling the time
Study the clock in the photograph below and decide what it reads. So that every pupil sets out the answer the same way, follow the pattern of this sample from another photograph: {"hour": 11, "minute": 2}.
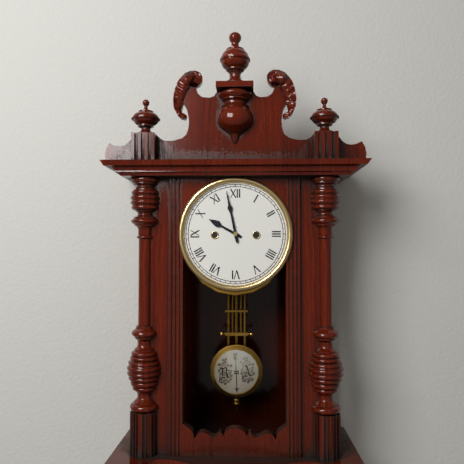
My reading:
{"hour": 9, "minute": 58}
